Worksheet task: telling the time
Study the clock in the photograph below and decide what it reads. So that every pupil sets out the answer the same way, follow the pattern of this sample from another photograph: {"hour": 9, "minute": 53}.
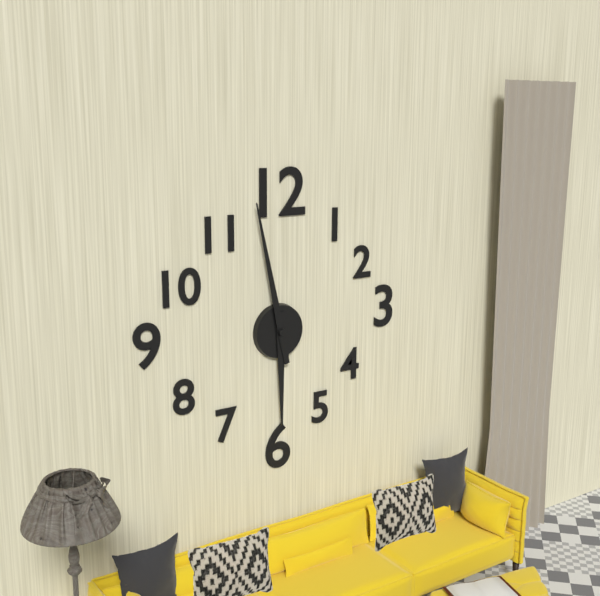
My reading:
{"hour": 5, "minute": 58}
